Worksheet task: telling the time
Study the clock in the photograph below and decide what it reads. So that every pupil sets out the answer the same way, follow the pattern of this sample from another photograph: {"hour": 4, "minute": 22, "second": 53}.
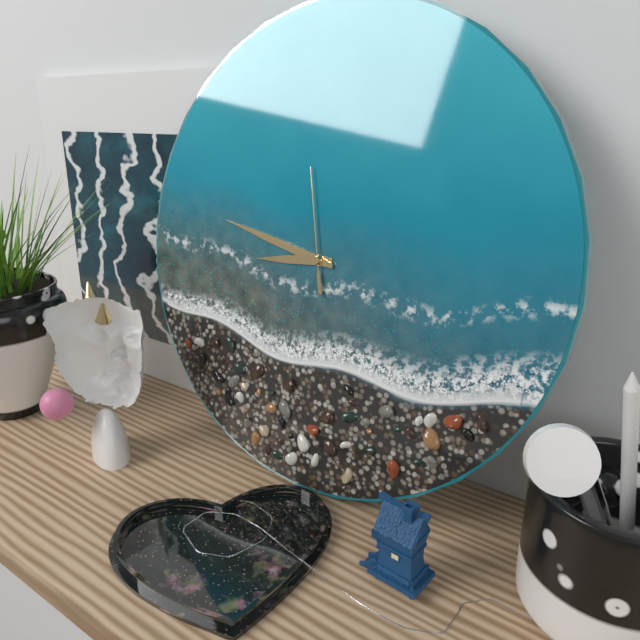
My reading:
{"hour": 8, "minute": 47, "second": 58}
